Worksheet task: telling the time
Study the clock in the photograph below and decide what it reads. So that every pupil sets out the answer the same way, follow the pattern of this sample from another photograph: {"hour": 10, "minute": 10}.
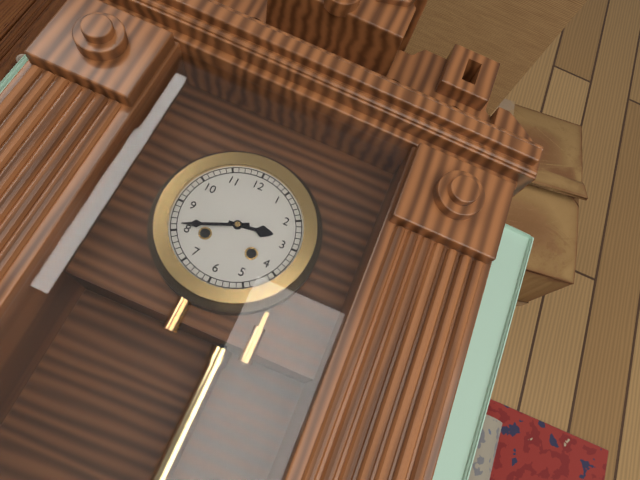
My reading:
{"hour": 2, "minute": 41}
